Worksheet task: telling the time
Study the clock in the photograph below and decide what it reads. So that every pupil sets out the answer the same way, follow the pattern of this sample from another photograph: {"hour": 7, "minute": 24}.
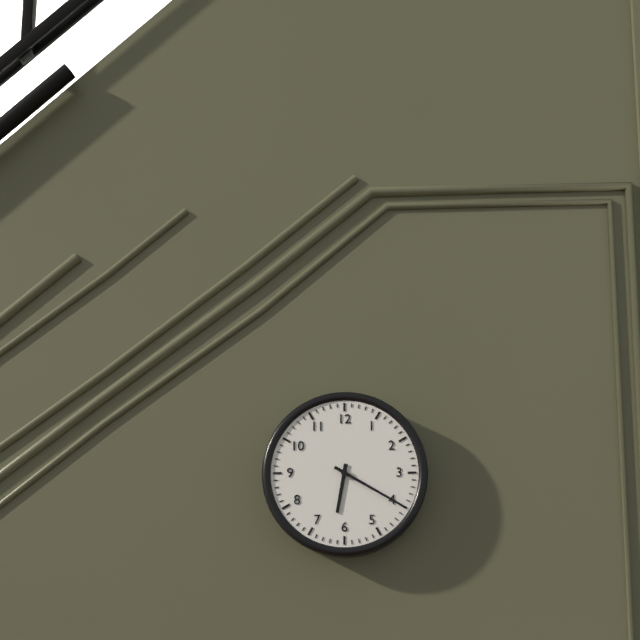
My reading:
{"hour": 6, "minute": 20}
